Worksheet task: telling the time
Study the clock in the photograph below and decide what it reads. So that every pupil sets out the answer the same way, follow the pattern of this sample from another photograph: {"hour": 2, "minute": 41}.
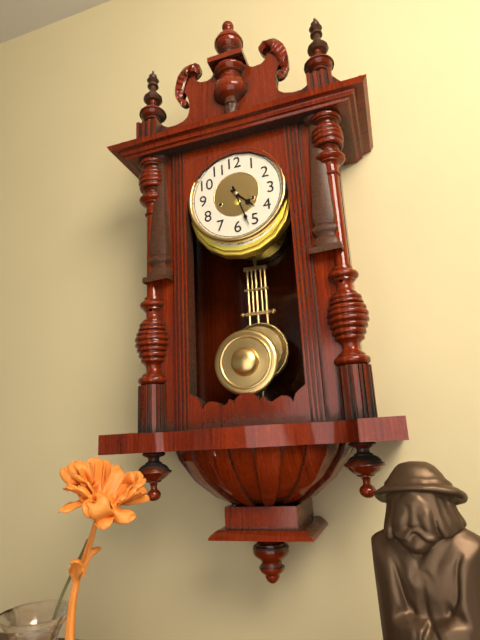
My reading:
{"hour": 4, "minute": 27}
